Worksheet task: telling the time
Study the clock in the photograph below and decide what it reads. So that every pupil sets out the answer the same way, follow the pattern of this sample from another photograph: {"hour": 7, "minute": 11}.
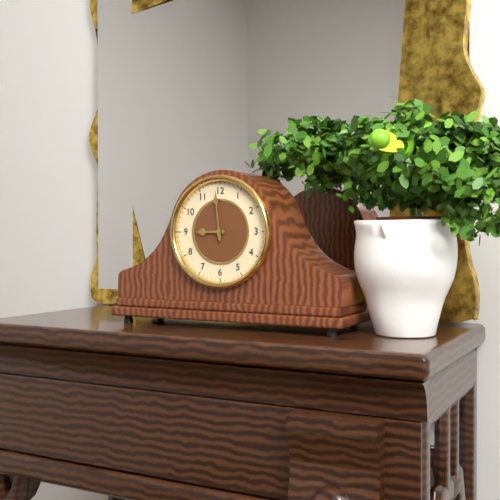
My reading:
{"hour": 8, "minute": 59}
